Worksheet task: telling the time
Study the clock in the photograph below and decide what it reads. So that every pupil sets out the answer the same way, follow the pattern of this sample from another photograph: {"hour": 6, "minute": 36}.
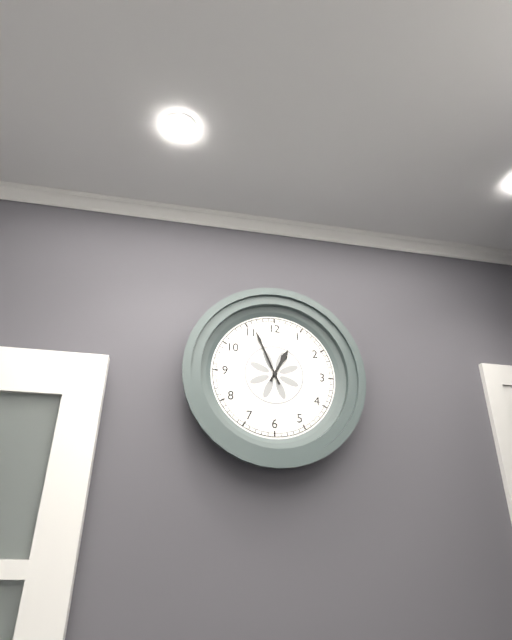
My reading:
{"hour": 12, "minute": 56}
